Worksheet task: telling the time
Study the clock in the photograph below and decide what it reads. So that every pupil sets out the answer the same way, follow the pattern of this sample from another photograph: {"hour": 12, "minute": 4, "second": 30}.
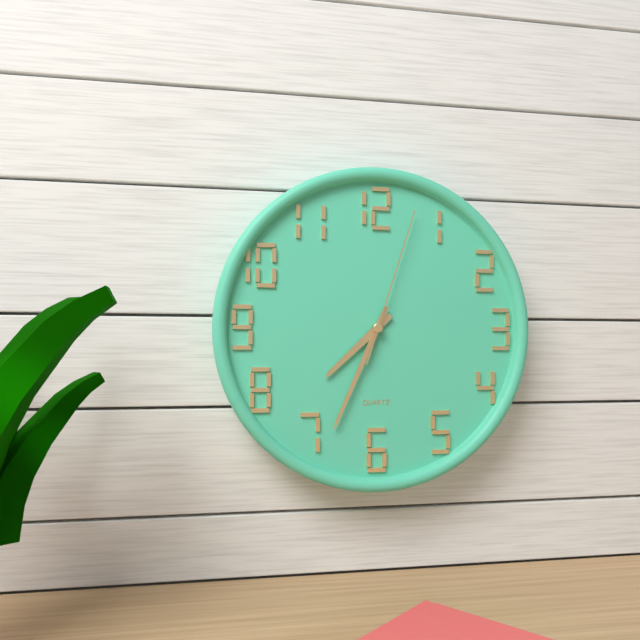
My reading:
{"hour": 7, "minute": 34, "second": 3}
